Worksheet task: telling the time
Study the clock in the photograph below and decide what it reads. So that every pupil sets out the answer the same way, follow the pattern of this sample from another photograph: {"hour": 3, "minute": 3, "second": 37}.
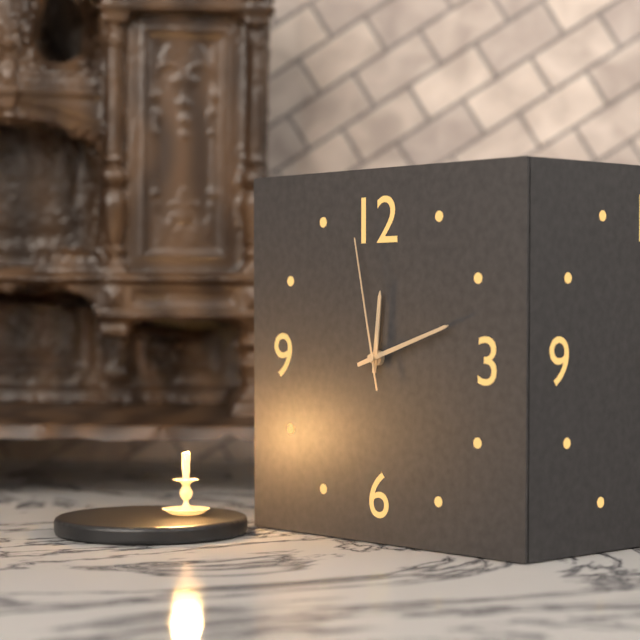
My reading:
{"hour": 12, "minute": 12, "second": 58}
